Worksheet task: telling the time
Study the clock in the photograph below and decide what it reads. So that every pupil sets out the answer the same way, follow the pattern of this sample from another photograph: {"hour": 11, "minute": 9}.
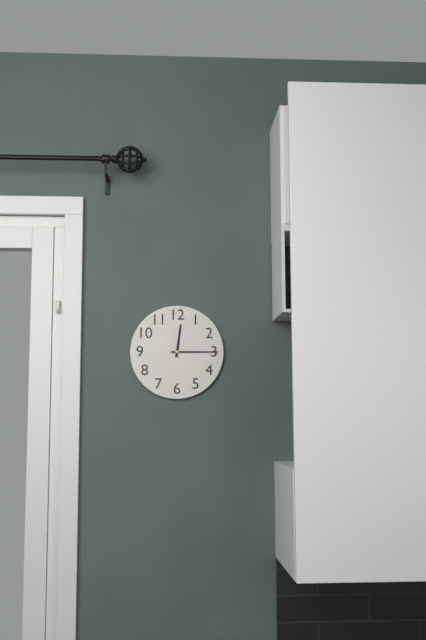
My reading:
{"hour": 12, "minute": 15}
